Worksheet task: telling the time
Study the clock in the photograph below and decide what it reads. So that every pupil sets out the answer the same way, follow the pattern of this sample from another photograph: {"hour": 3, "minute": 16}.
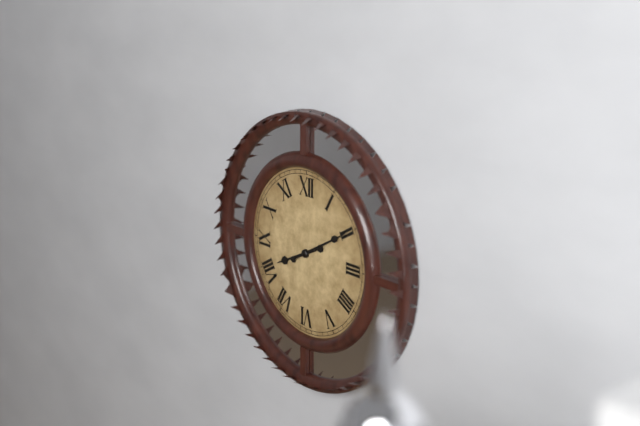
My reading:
{"hour": 8, "minute": 10}
